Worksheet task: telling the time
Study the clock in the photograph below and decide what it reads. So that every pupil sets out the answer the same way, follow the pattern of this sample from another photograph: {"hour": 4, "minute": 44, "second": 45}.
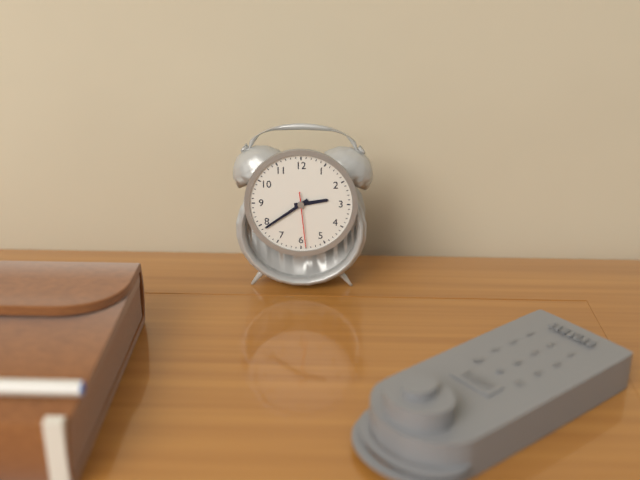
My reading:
{"hour": 2, "minute": 39, "second": 29}
